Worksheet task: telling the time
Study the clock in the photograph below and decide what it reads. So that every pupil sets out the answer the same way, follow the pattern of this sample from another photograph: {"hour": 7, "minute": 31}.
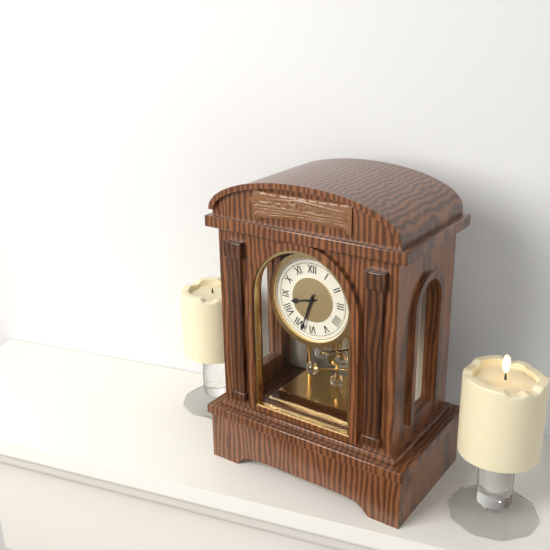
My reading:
{"hour": 8, "minute": 33}
